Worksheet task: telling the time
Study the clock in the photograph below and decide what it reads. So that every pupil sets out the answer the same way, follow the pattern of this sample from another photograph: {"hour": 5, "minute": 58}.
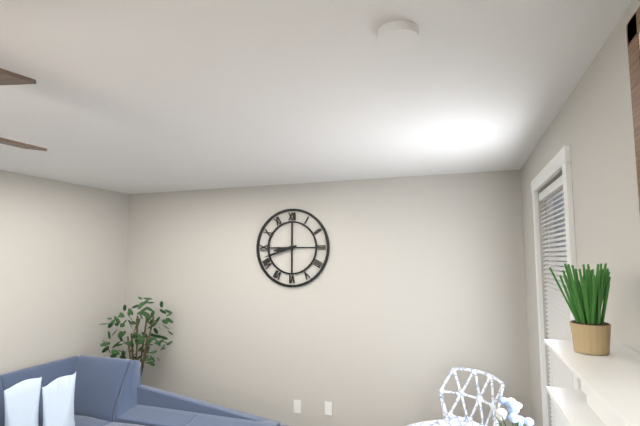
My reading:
{"hour": 8, "minute": 42}
